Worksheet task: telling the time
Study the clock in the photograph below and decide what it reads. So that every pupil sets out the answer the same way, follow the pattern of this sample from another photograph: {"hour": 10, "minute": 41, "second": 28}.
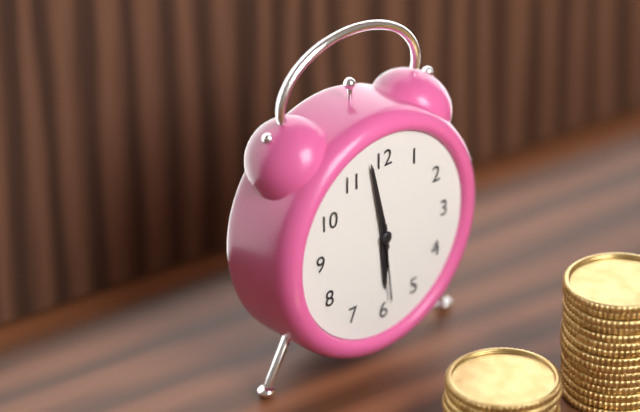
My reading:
{"hour": 5, "minute": 58, "second": 29}
